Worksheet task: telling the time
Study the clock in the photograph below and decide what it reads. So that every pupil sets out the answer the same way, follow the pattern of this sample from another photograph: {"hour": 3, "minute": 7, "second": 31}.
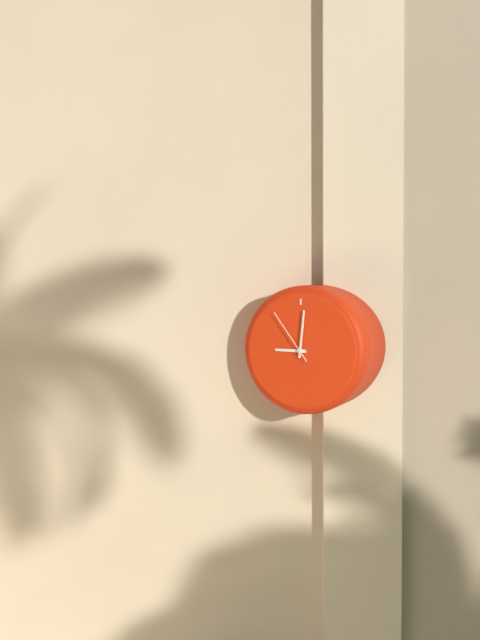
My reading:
{"hour": 9, "minute": 1, "second": 54}
